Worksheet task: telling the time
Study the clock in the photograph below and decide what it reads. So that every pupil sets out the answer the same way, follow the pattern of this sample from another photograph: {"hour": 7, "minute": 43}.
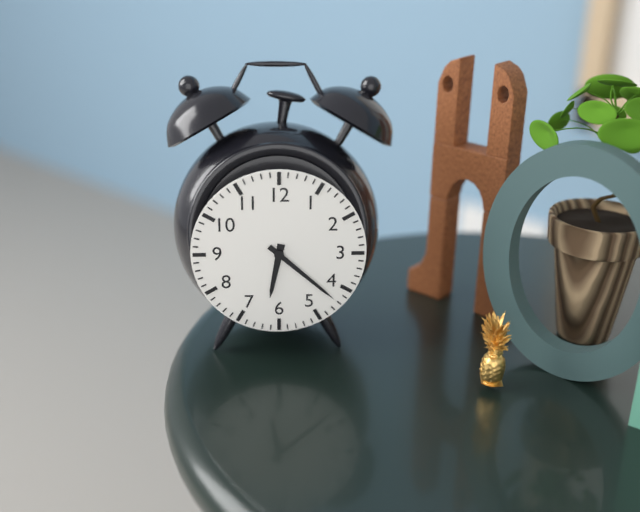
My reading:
{"hour": 6, "minute": 22}
